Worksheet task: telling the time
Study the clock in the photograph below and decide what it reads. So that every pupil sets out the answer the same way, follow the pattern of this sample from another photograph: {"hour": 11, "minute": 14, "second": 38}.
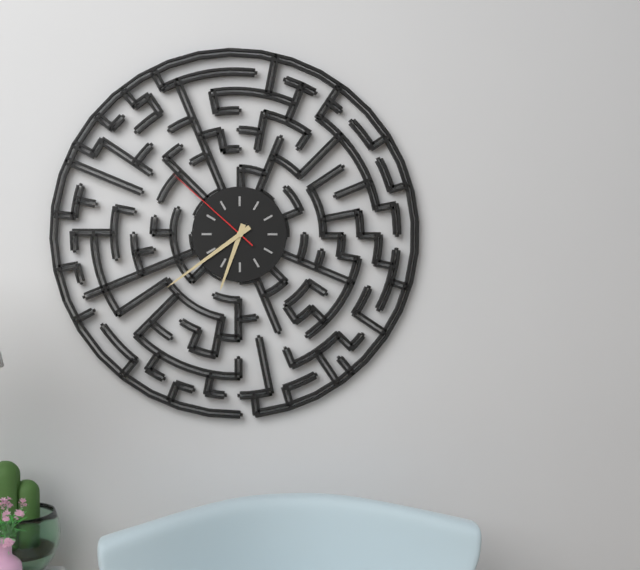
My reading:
{"hour": 6, "minute": 39, "second": 52}
